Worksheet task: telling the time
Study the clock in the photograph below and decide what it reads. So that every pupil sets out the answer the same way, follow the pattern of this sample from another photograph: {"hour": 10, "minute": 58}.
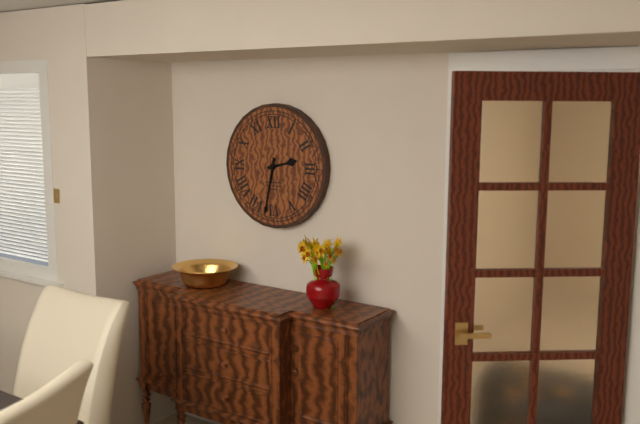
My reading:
{"hour": 2, "minute": 32}
